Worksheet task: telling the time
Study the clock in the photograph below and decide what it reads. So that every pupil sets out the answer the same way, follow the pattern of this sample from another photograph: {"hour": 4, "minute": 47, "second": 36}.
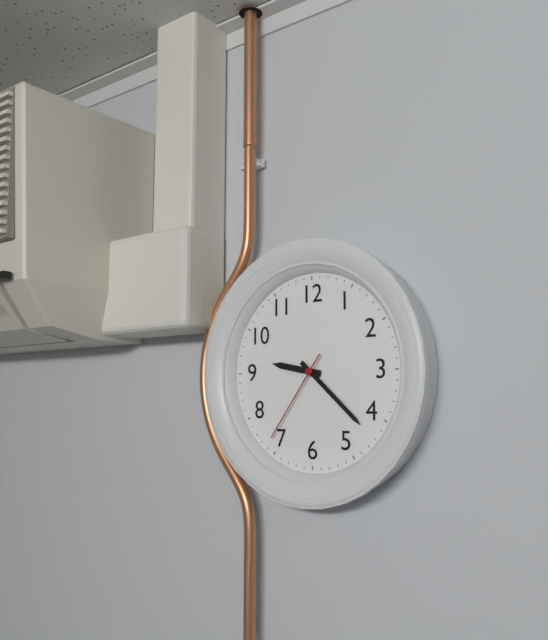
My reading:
{"hour": 9, "minute": 22, "second": 36}
